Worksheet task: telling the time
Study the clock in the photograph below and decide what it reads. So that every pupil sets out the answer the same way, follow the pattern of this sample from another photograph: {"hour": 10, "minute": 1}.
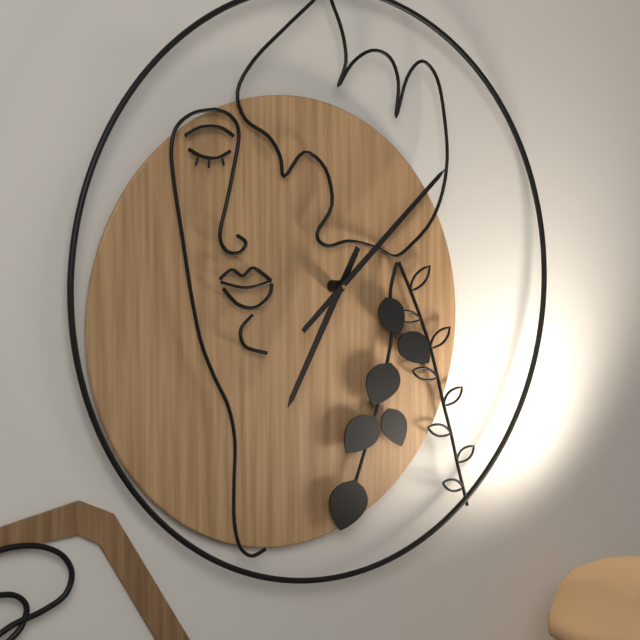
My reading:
{"hour": 7, "minute": 9}
